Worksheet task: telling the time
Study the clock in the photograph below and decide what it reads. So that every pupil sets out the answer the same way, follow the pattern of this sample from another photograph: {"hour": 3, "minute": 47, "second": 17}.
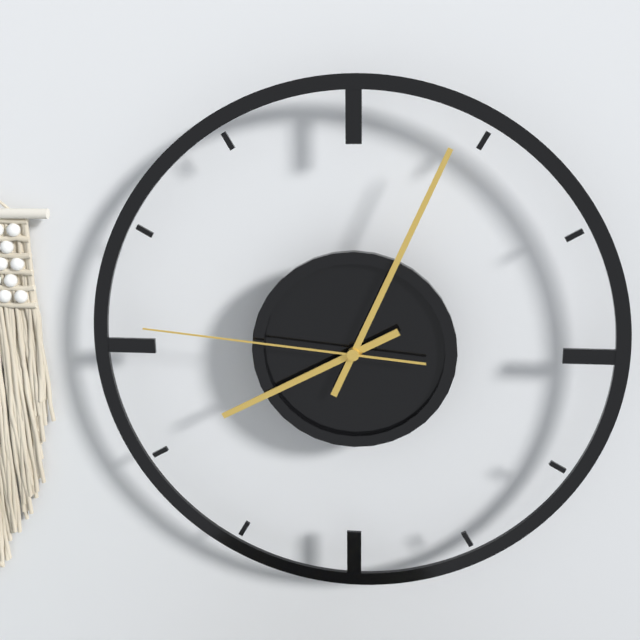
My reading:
{"hour": 8, "minute": 4, "second": 46}
